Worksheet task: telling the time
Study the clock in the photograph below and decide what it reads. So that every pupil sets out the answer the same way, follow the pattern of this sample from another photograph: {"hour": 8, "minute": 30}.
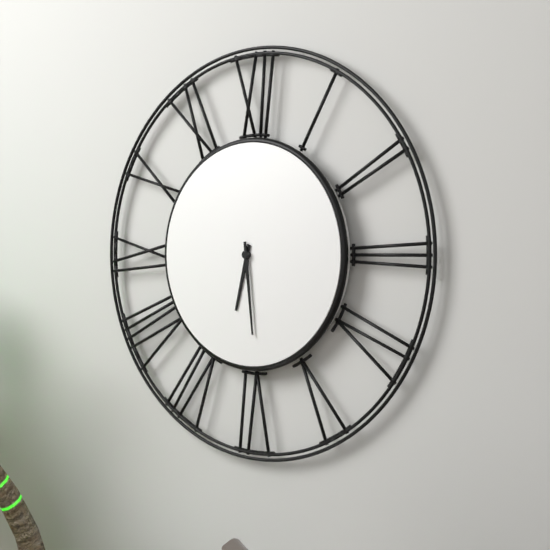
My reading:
{"hour": 6, "minute": 29}
